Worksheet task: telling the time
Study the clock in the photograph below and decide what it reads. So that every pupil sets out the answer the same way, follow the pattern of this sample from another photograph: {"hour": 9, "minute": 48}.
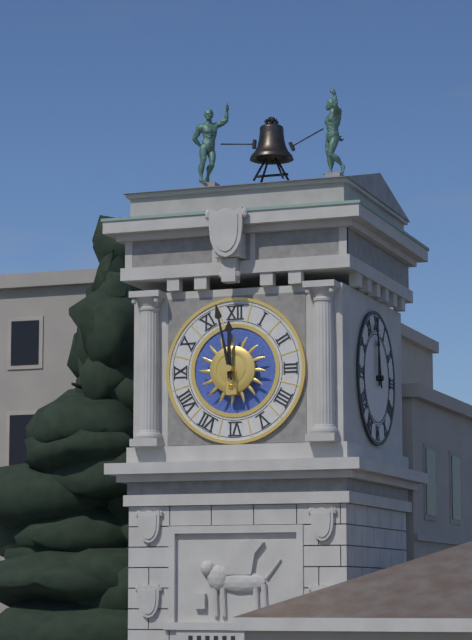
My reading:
{"hour": 11, "minute": 58}
